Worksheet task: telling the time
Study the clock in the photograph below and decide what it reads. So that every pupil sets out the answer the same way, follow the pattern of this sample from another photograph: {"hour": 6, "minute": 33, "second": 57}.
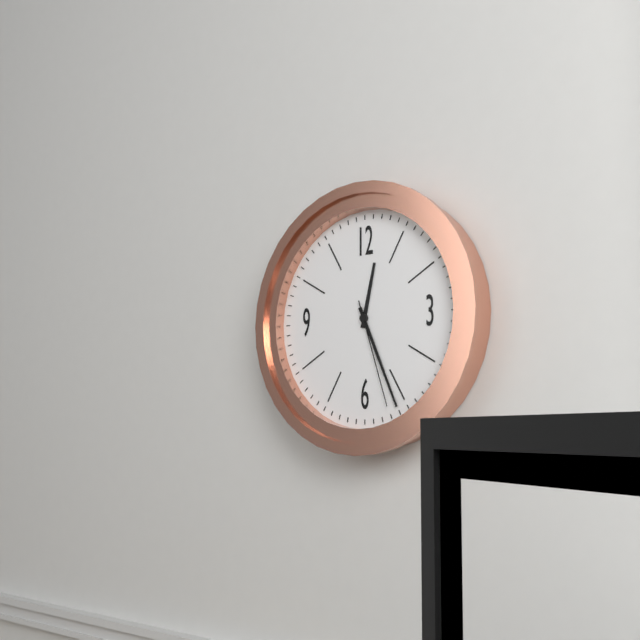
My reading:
{"hour": 12, "minute": 26, "second": 27}
